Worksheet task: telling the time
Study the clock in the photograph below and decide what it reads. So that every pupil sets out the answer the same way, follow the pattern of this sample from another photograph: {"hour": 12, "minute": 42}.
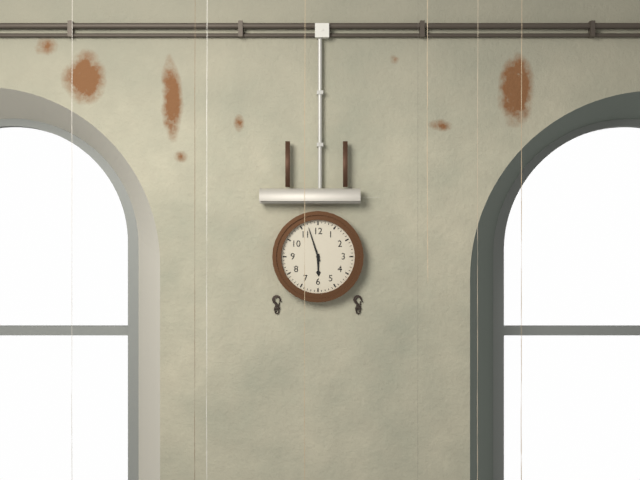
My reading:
{"hour": 5, "minute": 57}
